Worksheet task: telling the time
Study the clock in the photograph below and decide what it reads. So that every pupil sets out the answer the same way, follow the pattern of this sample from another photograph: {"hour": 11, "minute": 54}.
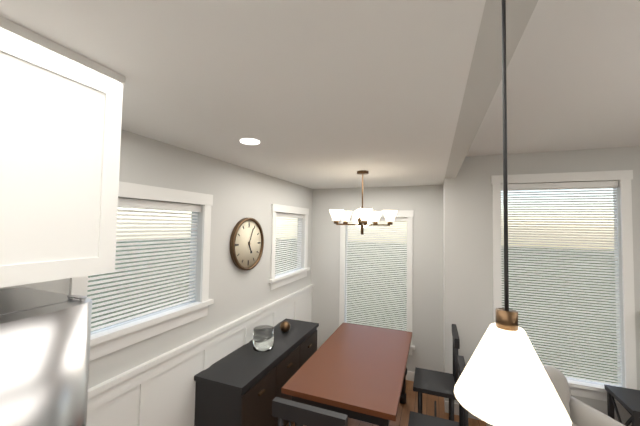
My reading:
{"hour": 5, "minute": 4}
